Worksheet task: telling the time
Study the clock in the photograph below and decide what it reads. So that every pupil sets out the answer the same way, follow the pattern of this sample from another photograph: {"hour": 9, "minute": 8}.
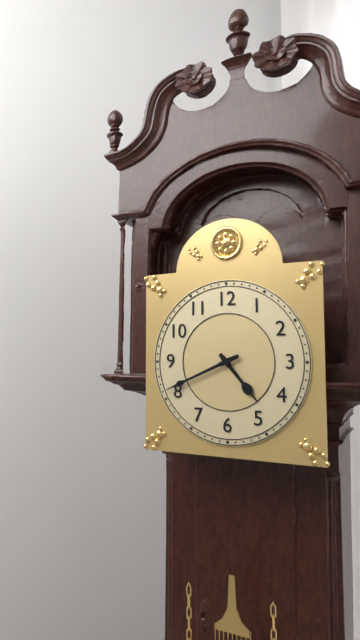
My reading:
{"hour": 4, "minute": 41}
